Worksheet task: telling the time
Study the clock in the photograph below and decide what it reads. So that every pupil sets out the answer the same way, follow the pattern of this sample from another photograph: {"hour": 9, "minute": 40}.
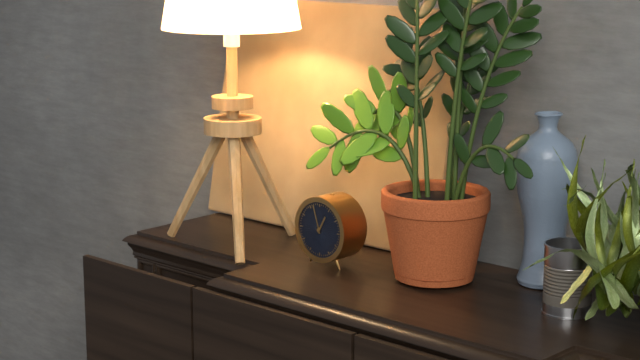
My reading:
{"hour": 12, "minute": 57}
